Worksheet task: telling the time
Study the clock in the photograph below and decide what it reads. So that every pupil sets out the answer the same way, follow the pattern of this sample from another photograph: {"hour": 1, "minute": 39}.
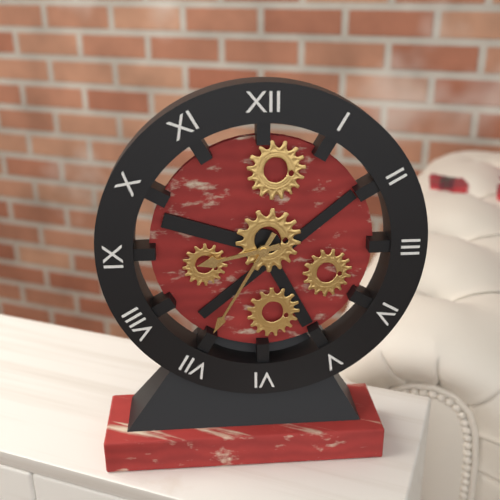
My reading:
{"hour": 8, "minute": 35}
